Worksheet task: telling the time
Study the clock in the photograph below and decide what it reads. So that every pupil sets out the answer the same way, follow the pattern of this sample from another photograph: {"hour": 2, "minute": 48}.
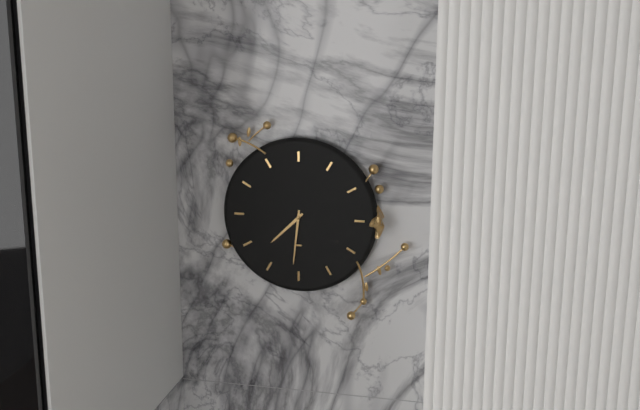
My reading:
{"hour": 7, "minute": 31}
